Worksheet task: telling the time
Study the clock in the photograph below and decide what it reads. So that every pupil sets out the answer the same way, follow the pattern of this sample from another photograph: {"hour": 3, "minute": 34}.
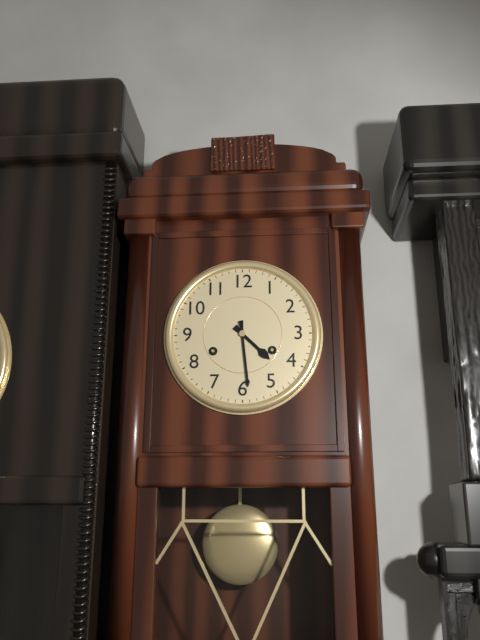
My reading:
{"hour": 4, "minute": 29}
